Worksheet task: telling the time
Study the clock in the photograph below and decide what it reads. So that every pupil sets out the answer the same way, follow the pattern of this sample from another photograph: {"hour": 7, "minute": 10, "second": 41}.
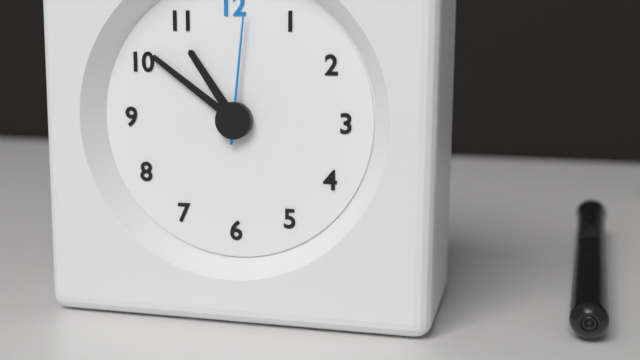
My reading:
{"hour": 10, "minute": 51, "second": 1}
